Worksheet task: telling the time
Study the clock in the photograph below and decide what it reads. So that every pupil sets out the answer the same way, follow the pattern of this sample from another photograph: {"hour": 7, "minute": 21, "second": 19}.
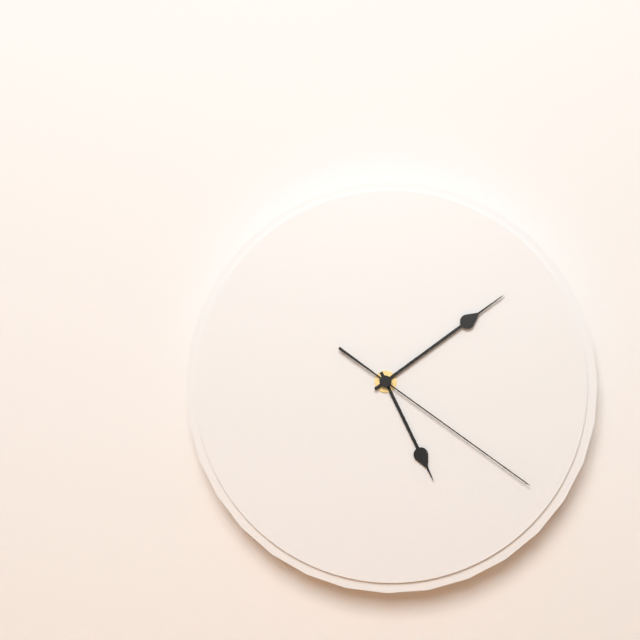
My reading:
{"hour": 5, "minute": 9, "second": 21}
